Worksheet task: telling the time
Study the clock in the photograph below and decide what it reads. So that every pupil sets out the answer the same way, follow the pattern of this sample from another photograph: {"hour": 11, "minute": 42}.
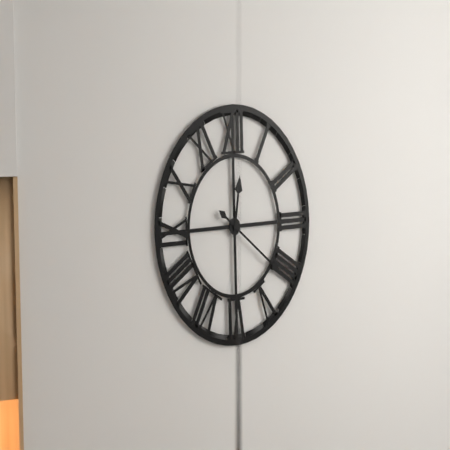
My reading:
{"hour": 12, "minute": 21}
